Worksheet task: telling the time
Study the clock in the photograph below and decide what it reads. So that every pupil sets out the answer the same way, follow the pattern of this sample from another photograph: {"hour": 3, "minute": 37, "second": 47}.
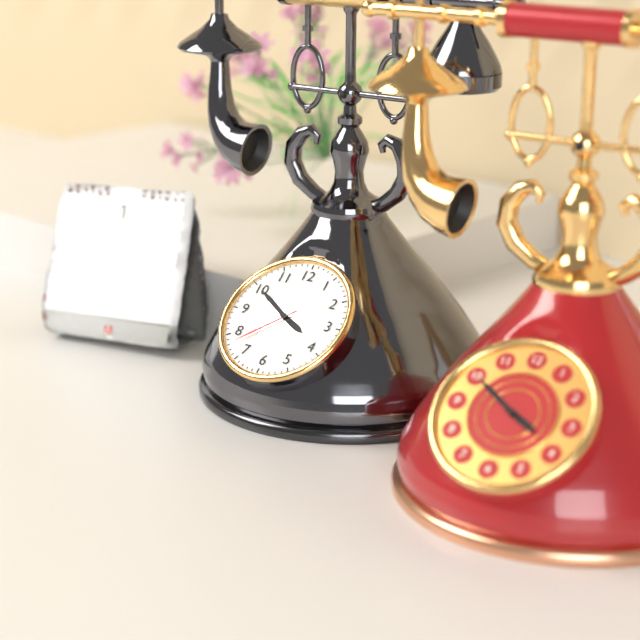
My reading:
{"hour": 3, "minute": 50, "second": 38}
